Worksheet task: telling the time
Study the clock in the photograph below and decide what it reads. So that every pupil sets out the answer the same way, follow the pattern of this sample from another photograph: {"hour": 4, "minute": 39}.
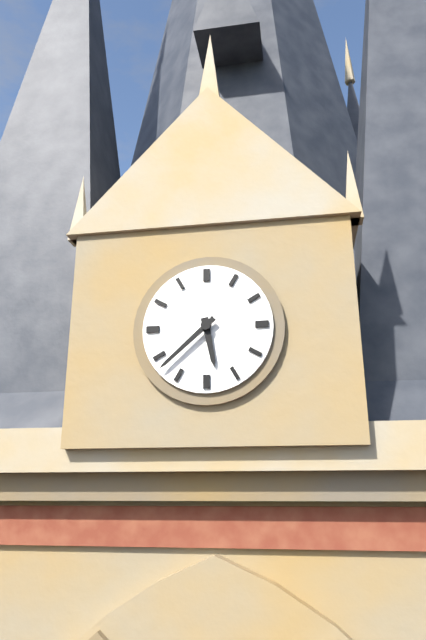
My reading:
{"hour": 5, "minute": 38}
